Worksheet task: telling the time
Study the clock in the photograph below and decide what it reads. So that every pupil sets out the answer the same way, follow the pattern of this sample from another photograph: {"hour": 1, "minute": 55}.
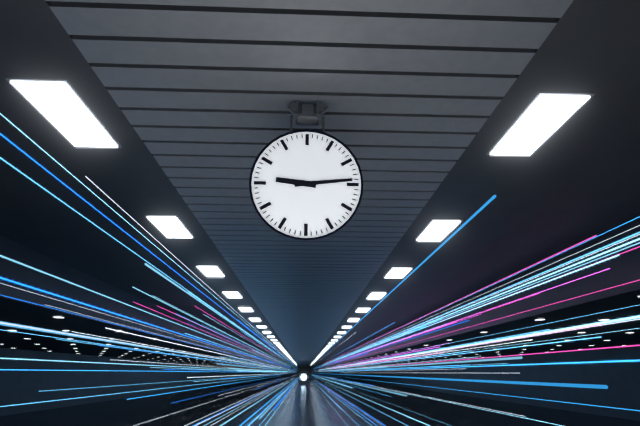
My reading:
{"hour": 9, "minute": 14}
